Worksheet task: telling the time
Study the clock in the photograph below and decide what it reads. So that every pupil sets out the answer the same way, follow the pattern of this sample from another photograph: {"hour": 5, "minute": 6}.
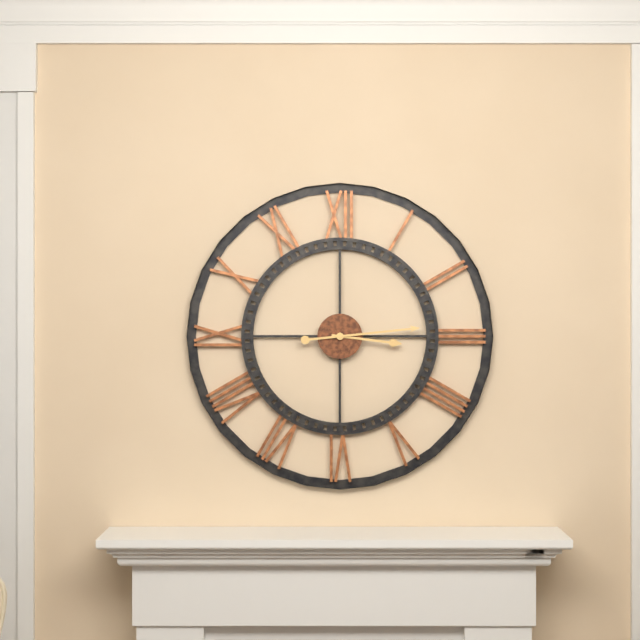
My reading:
{"hour": 3, "minute": 14}
